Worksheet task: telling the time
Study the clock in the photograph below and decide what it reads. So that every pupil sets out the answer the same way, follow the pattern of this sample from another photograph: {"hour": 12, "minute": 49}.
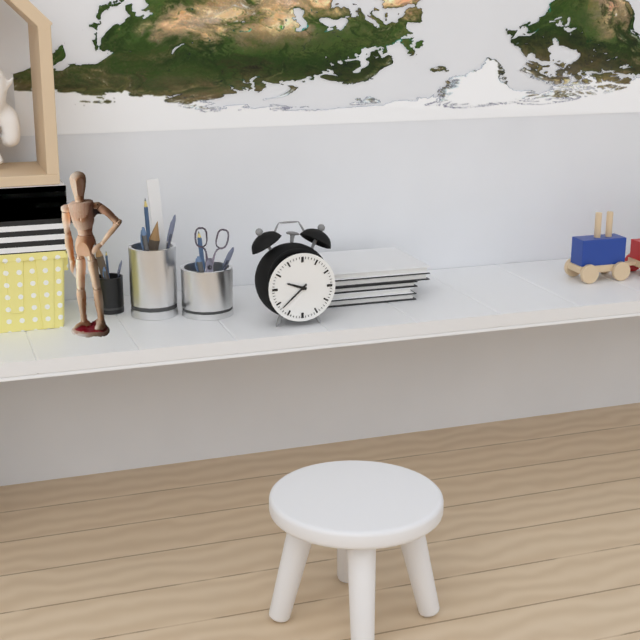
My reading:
{"hour": 9, "minute": 38}
